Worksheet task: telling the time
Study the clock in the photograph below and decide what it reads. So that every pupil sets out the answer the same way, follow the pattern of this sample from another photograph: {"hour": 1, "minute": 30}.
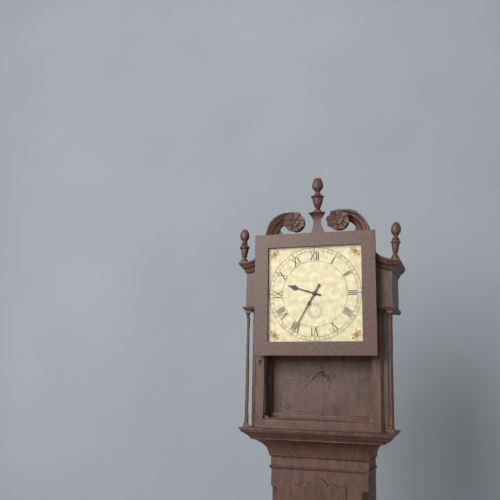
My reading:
{"hour": 9, "minute": 35}
